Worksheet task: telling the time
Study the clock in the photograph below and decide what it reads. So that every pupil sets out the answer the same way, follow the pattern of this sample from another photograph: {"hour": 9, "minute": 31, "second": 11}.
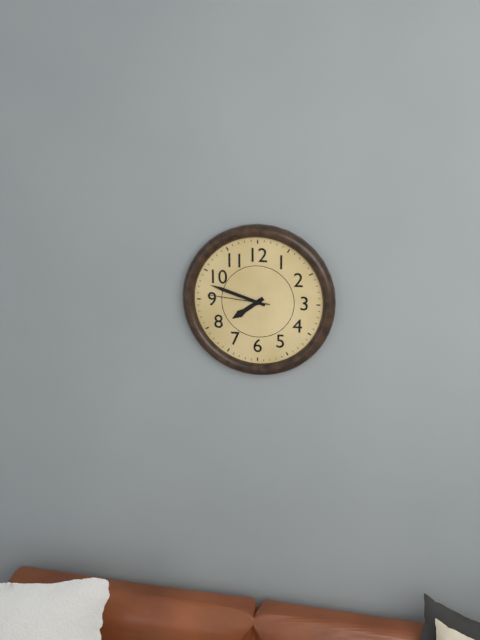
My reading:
{"hour": 7, "minute": 48, "second": 46}
